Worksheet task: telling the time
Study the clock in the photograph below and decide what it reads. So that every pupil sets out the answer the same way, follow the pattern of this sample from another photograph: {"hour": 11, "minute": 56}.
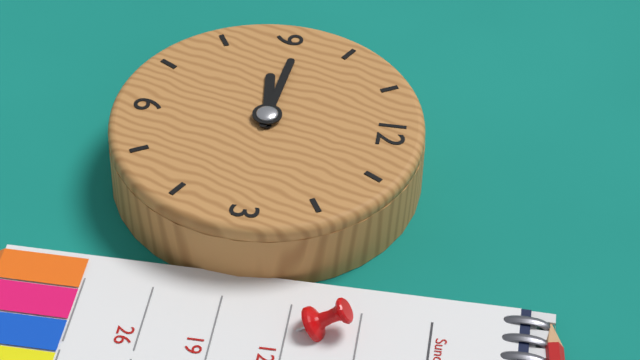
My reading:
{"hour": 8, "minute": 46}
